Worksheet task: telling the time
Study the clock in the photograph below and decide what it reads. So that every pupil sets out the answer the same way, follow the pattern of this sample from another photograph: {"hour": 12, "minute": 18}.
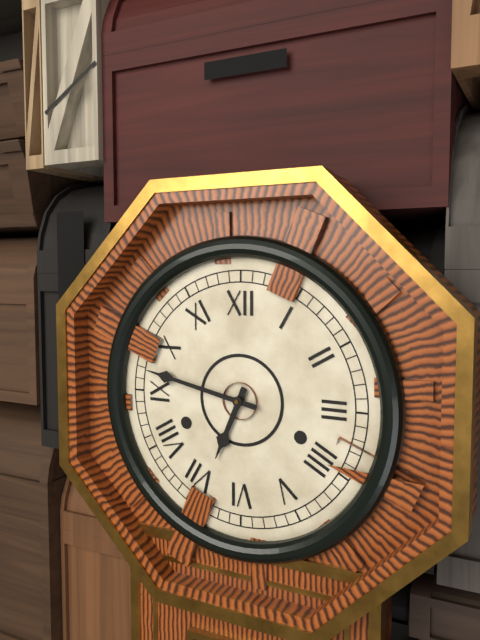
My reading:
{"hour": 6, "minute": 47}
